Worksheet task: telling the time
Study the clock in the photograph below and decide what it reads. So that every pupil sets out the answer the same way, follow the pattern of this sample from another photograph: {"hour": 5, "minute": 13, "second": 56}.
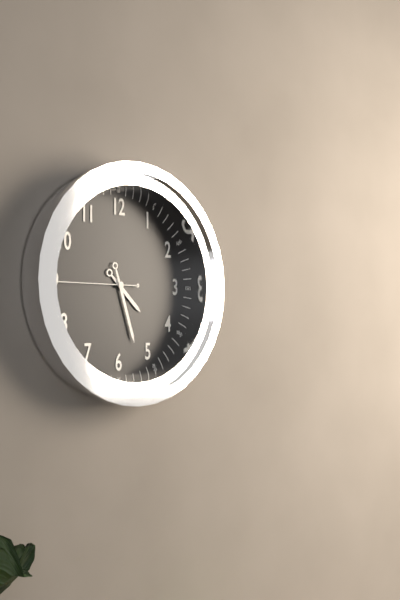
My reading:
{"hour": 4, "minute": 27, "second": 45}
